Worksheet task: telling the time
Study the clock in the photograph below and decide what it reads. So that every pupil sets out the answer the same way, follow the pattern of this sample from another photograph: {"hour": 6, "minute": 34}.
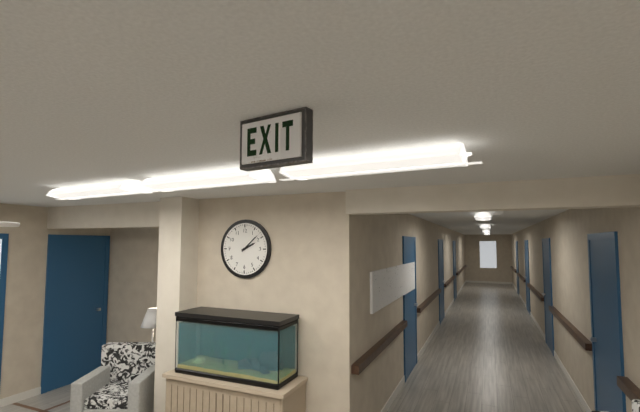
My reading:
{"hour": 2, "minute": 8}
